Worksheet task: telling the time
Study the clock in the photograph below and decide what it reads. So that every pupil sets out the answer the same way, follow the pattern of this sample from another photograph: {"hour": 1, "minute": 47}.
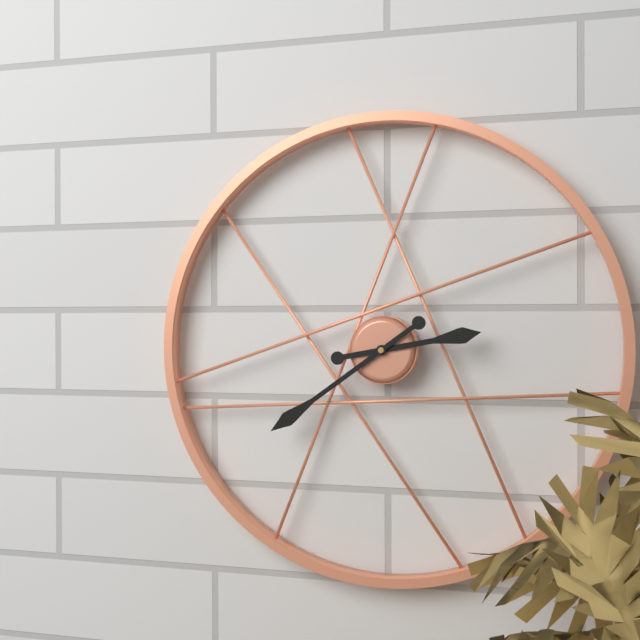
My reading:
{"hour": 2, "minute": 39}
